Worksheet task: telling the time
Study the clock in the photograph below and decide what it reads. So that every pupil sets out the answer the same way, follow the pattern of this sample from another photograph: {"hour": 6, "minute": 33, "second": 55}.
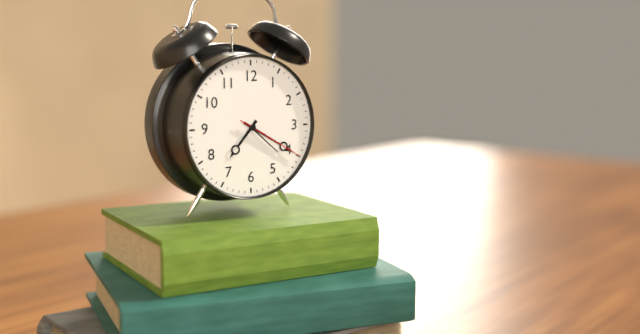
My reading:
{"hour": 7, "minute": 20, "second": 20}
